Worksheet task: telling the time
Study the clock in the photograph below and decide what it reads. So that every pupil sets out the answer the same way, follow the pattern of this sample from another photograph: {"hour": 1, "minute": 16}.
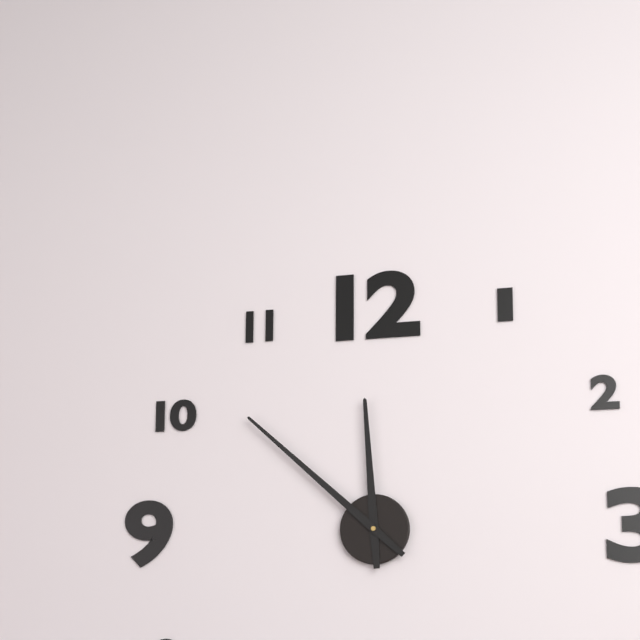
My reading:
{"hour": 11, "minute": 52}
